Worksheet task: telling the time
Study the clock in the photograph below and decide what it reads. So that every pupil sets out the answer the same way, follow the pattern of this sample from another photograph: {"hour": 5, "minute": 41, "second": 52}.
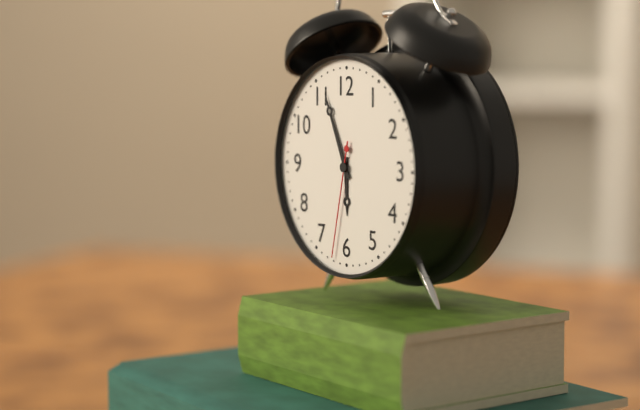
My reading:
{"hour": 5, "minute": 56, "second": 32}
